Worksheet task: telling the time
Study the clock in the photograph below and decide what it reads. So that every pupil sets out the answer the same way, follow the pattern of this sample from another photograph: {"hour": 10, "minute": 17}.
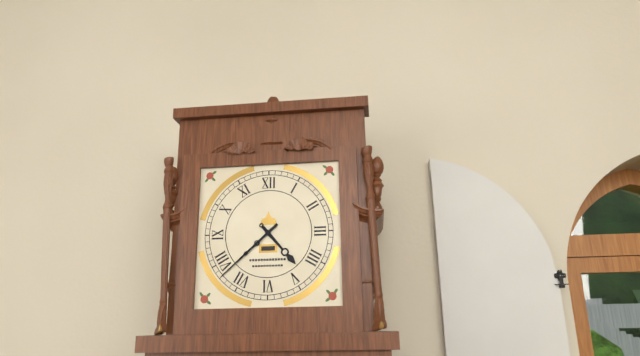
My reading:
{"hour": 4, "minute": 38}
